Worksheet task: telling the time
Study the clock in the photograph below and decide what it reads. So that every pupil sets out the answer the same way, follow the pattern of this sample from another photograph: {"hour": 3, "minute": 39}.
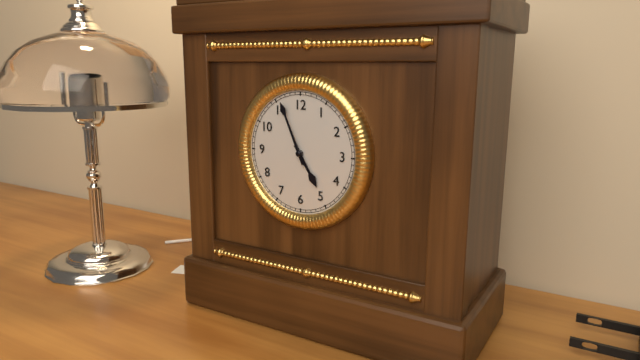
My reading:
{"hour": 4, "minute": 56}
